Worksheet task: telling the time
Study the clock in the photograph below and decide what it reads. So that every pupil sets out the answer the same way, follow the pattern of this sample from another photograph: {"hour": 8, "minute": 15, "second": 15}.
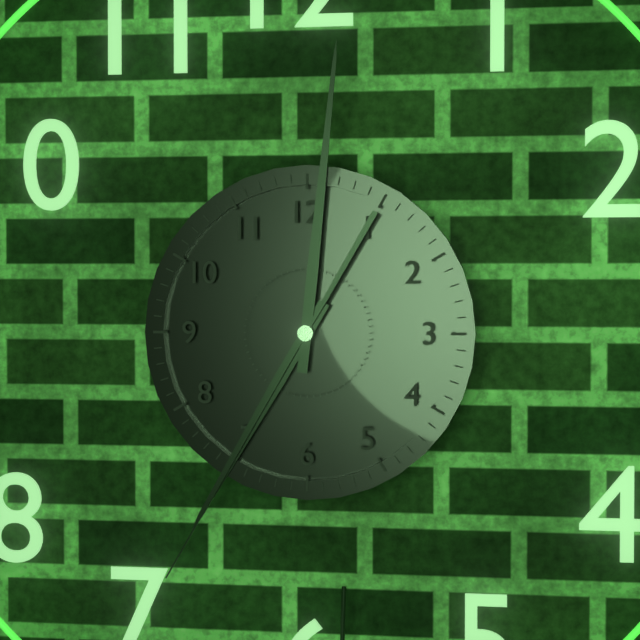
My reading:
{"hour": 7, "minute": 1, "second": 35}
